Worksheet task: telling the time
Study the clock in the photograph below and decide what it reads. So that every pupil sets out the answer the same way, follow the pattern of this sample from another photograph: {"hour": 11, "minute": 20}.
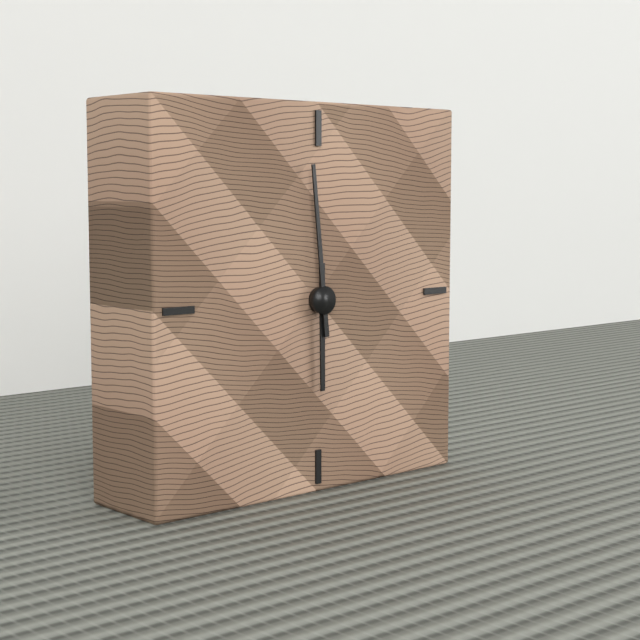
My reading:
{"hour": 5, "minute": 59}
